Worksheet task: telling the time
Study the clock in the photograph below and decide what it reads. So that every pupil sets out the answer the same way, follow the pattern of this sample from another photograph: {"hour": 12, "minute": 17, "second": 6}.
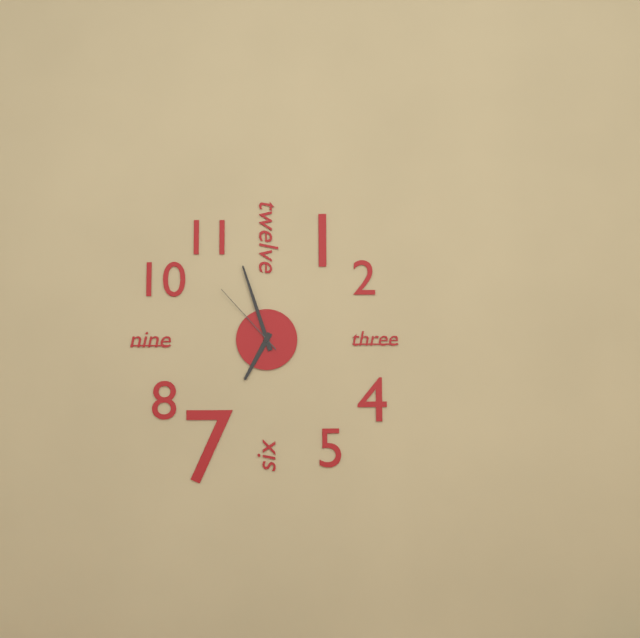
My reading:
{"hour": 6, "minute": 57, "second": 53}
